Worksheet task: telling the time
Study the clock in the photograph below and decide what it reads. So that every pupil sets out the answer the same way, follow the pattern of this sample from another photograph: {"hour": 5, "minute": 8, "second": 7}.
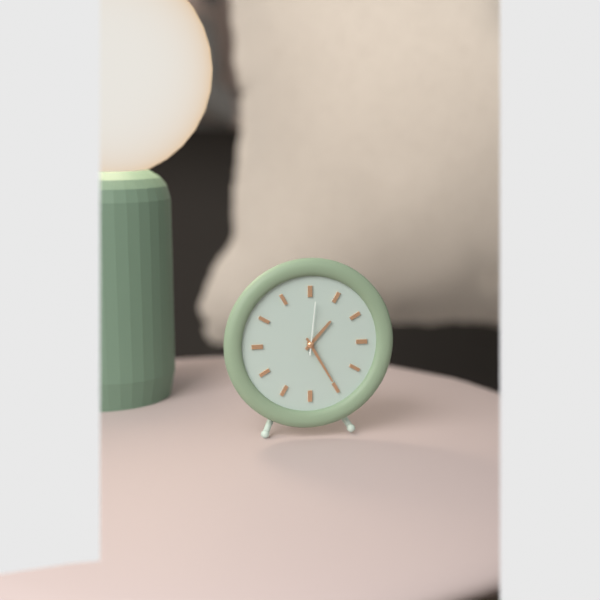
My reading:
{"hour": 1, "minute": 25, "second": 1}
